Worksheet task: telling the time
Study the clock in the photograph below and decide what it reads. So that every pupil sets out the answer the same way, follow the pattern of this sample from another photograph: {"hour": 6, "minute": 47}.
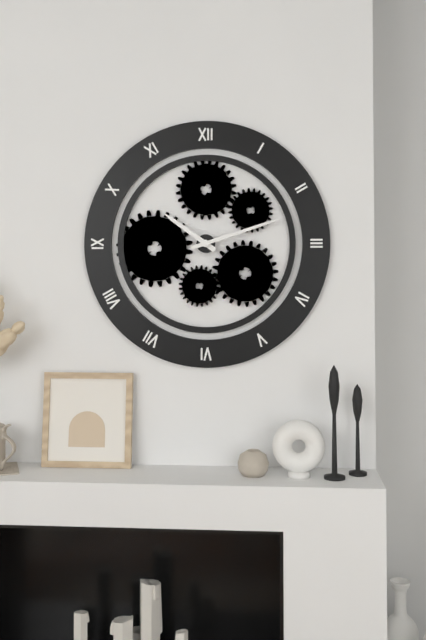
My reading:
{"hour": 10, "minute": 12}
